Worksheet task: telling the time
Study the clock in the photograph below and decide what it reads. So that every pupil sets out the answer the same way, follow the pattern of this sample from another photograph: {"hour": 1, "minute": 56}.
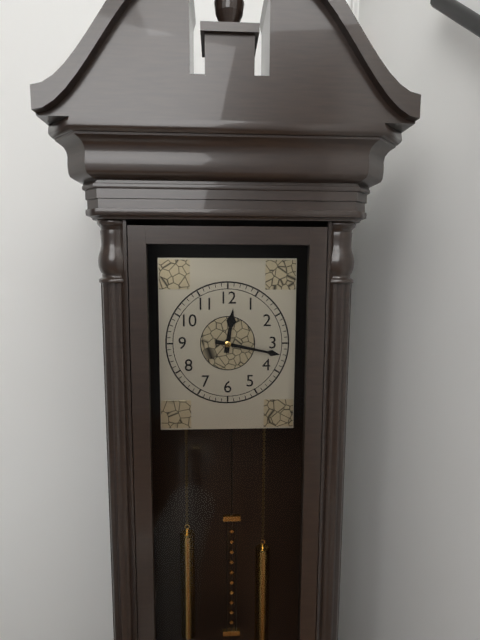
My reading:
{"hour": 12, "minute": 17}
